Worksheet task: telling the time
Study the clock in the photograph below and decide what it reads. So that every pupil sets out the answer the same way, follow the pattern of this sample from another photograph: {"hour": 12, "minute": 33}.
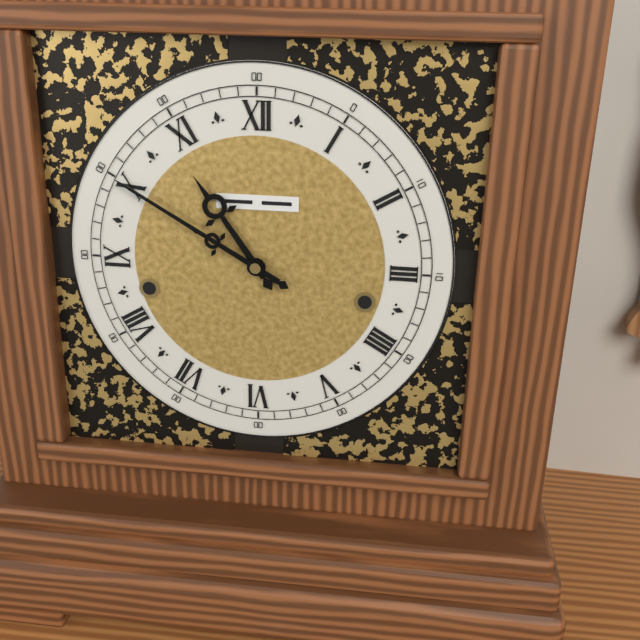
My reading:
{"hour": 10, "minute": 50}
